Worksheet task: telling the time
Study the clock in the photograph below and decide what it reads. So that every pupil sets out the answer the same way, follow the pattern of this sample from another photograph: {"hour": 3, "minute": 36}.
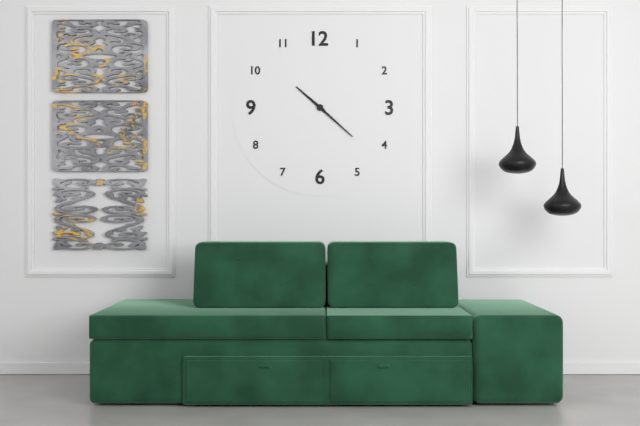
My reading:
{"hour": 10, "minute": 22}
